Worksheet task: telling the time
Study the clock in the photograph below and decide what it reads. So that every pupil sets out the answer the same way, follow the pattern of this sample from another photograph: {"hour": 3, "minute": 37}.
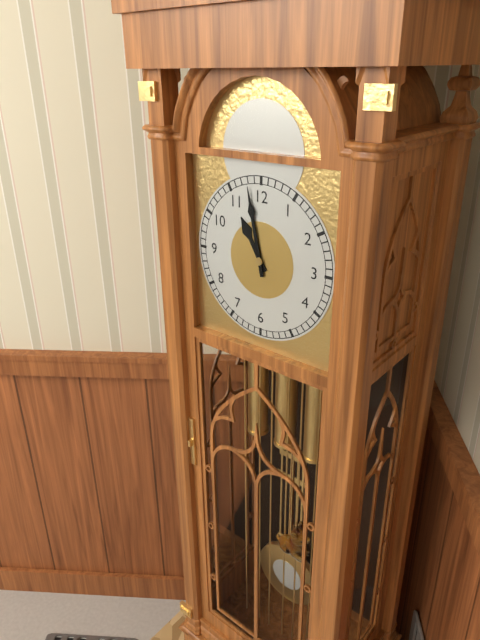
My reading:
{"hour": 10, "minute": 58}
